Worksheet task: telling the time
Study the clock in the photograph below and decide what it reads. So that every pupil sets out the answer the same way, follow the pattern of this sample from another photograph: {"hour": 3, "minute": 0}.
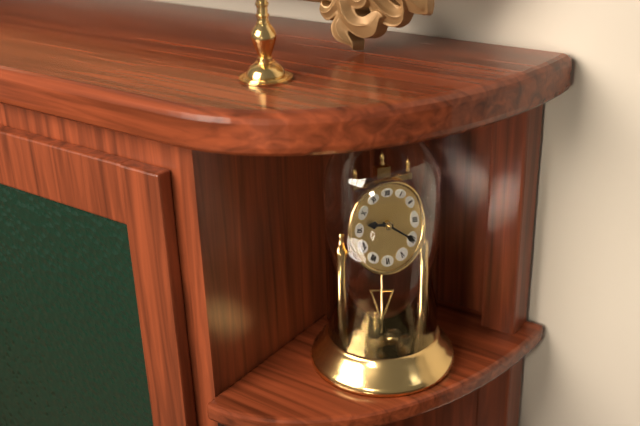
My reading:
{"hour": 9, "minute": 20}
